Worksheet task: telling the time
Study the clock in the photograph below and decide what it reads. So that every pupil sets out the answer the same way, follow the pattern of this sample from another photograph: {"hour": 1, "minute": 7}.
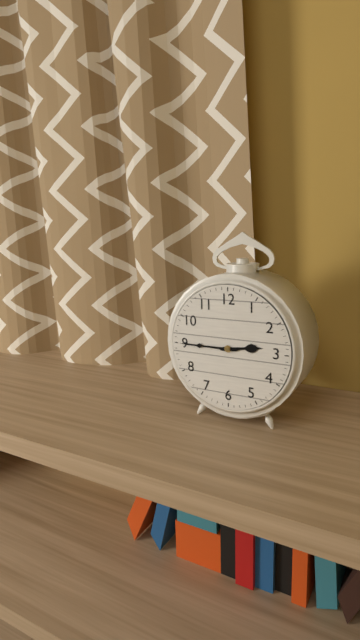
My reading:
{"hour": 2, "minute": 45}
